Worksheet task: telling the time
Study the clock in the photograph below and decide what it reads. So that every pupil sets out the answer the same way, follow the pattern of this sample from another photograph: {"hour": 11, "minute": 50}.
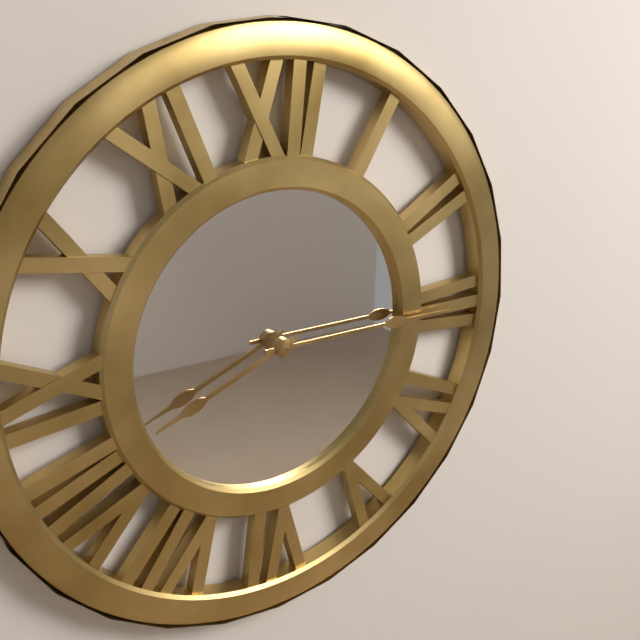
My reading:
{"hour": 8, "minute": 15}
